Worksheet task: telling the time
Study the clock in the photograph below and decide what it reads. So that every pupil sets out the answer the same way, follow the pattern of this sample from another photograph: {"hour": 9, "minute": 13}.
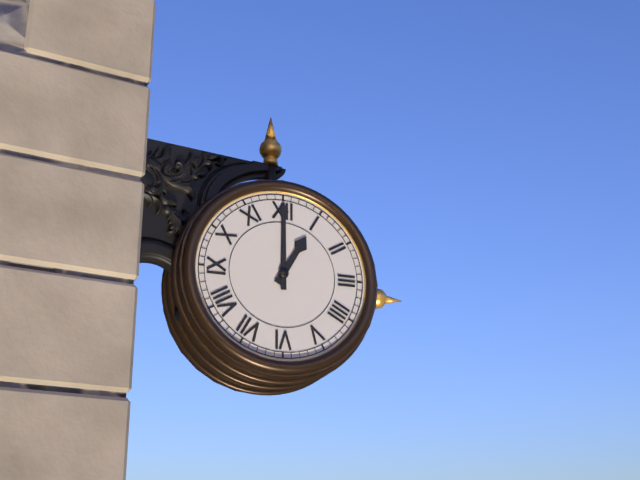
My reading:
{"hour": 1, "minute": 0}
